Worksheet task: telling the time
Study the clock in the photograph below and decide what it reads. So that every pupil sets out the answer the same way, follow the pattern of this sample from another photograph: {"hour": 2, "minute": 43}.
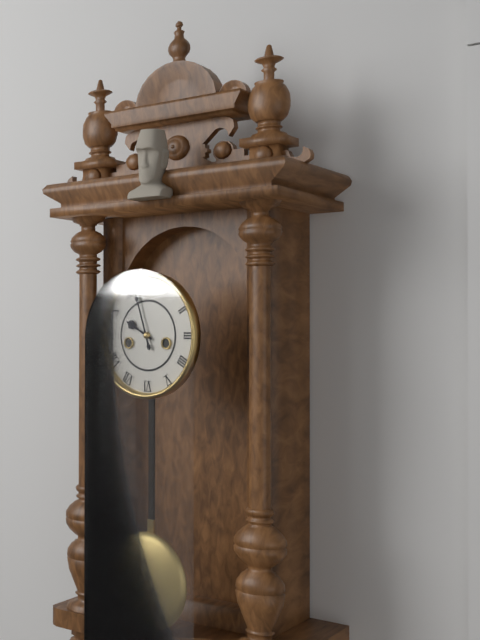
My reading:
{"hour": 9, "minute": 57}
